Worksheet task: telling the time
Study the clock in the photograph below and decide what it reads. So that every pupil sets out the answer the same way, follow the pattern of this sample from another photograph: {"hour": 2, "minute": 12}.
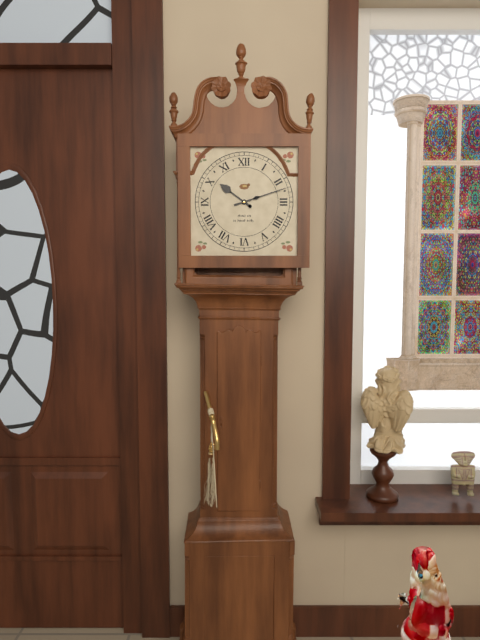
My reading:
{"hour": 10, "minute": 12}
